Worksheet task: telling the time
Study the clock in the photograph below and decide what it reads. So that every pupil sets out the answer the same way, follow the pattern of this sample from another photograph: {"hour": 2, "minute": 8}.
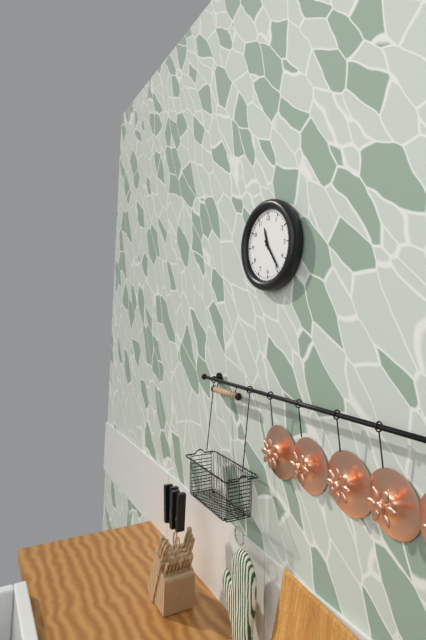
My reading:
{"hour": 11, "minute": 24}
